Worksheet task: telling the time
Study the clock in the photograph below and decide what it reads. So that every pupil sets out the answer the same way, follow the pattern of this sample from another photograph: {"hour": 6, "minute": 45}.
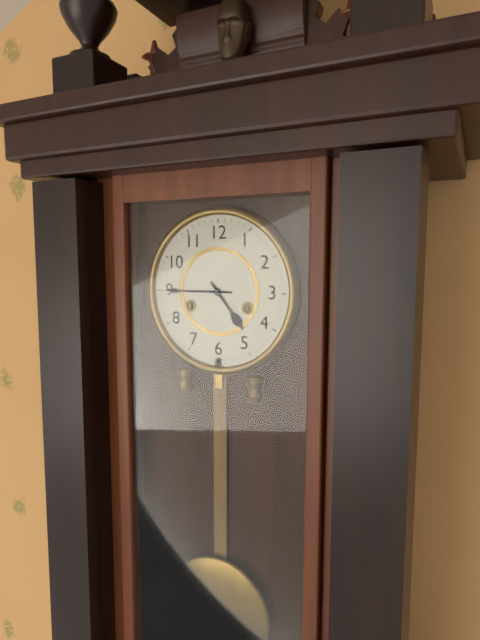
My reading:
{"hour": 4, "minute": 45}
